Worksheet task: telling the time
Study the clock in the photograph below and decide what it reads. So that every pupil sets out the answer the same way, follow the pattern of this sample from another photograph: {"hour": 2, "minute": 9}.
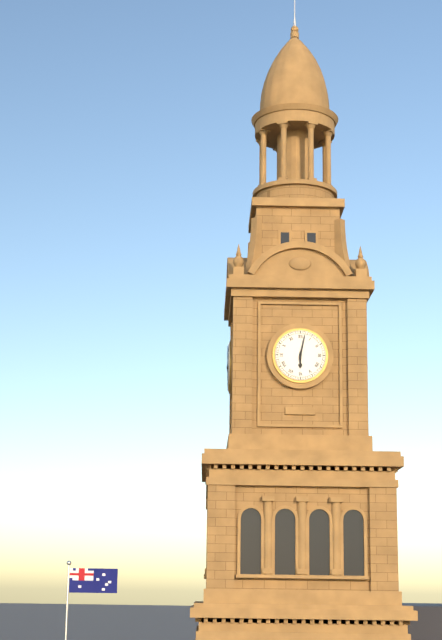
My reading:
{"hour": 6, "minute": 2}
